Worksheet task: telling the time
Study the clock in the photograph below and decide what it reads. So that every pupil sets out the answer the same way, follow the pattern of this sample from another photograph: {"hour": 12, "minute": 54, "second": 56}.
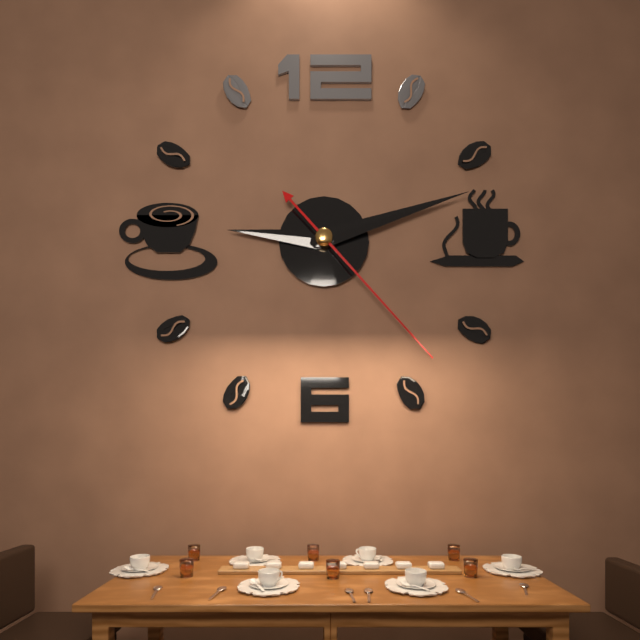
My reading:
{"hour": 9, "minute": 12, "second": 23}
